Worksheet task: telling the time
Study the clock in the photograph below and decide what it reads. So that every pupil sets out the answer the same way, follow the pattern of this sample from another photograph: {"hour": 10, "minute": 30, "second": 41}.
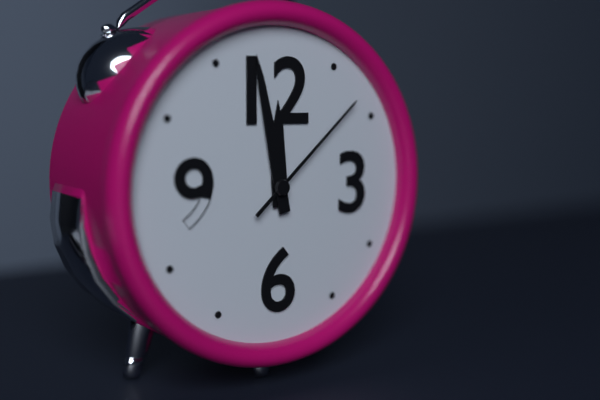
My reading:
{"hour": 11, "minute": 58, "second": 8}
